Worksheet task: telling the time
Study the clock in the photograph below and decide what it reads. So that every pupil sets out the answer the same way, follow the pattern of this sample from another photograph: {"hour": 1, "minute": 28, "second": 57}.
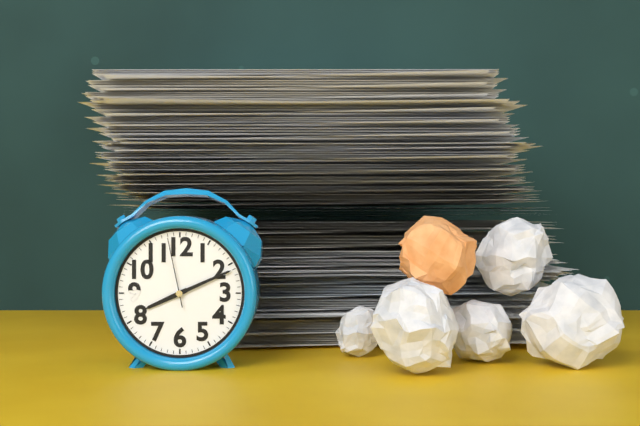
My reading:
{"hour": 8, "minute": 11, "second": 58}
